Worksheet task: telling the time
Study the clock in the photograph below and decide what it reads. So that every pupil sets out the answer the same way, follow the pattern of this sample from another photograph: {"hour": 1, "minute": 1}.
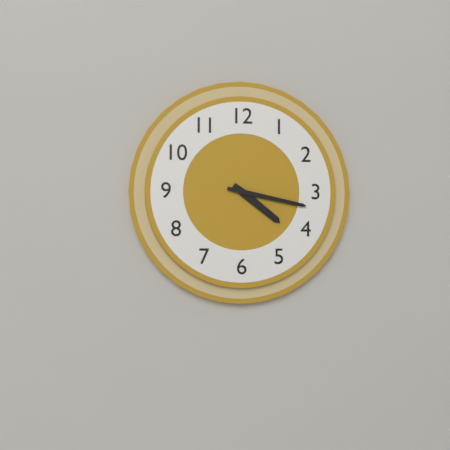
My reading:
{"hour": 4, "minute": 17}
